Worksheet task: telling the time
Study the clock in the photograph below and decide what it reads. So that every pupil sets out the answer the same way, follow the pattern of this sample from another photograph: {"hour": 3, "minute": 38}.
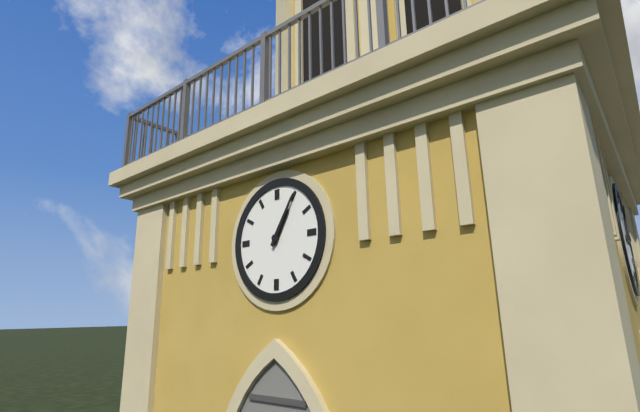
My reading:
{"hour": 1, "minute": 5}
